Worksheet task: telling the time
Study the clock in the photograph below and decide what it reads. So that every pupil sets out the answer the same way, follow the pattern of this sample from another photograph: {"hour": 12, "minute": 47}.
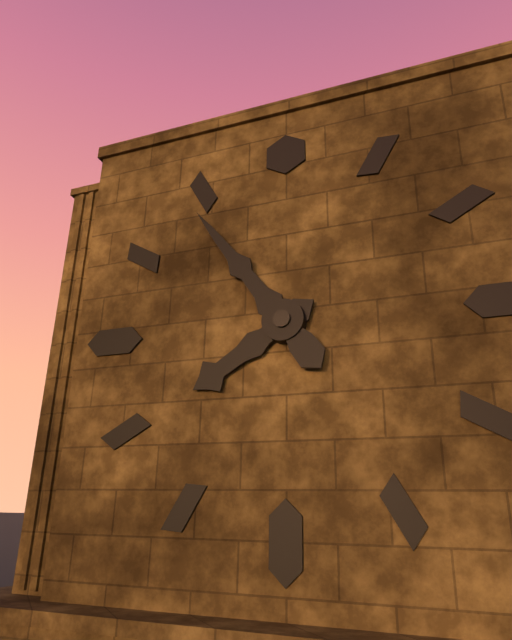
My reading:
{"hour": 7, "minute": 54}
